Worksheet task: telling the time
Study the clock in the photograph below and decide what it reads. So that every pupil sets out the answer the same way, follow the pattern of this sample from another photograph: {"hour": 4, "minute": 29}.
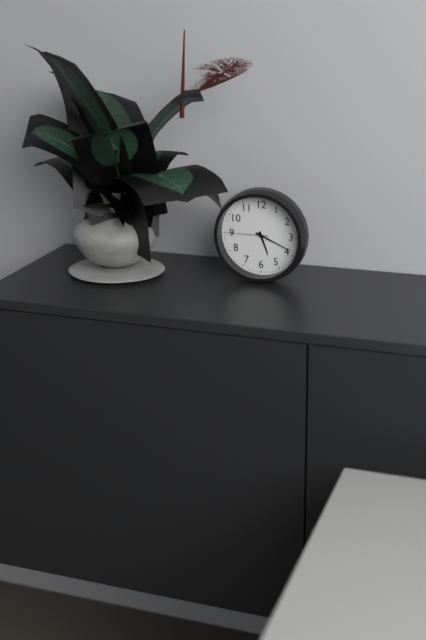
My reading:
{"hour": 5, "minute": 19}
